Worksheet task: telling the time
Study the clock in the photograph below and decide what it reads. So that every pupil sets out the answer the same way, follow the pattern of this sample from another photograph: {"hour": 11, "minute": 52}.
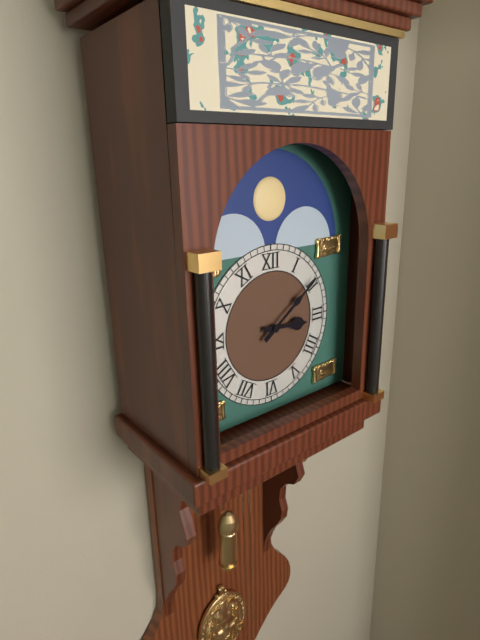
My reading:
{"hour": 3, "minute": 9}
